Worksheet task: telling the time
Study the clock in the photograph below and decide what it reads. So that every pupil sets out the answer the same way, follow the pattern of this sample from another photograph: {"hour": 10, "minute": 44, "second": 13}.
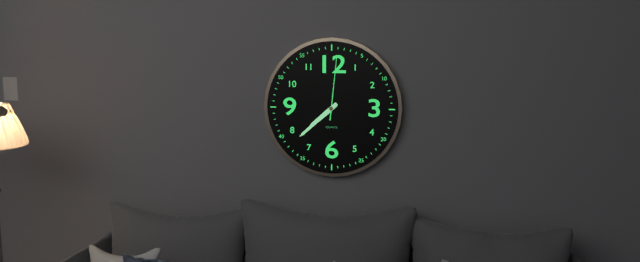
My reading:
{"hour": 7, "minute": 38, "second": 1}
